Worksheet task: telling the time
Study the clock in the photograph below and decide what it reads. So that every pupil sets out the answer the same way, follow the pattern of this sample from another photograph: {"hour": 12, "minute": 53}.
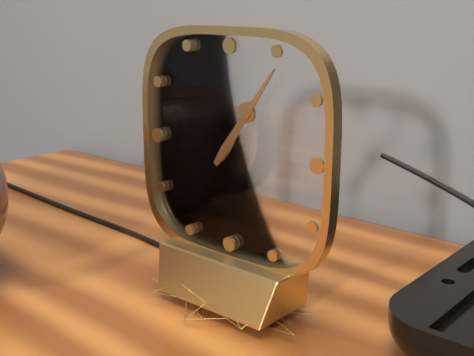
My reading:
{"hour": 1, "minute": 6}
